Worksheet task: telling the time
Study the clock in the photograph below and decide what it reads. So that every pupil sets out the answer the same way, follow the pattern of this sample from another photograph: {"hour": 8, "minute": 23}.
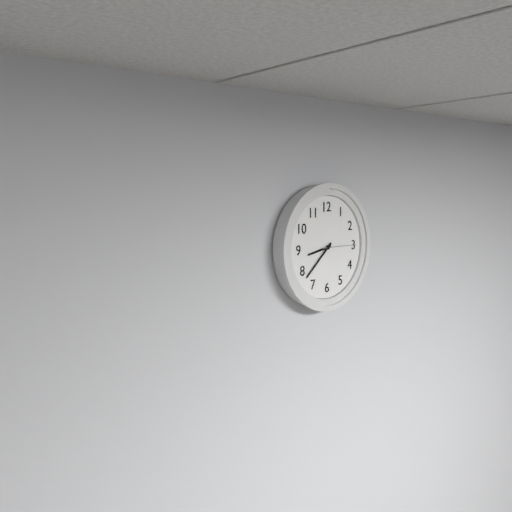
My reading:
{"hour": 8, "minute": 38}
